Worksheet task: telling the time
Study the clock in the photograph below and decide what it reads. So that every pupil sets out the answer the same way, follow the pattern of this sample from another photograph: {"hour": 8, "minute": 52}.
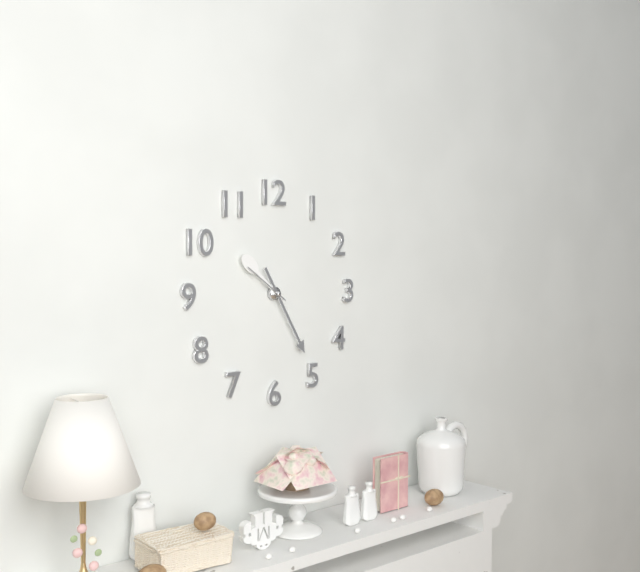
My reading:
{"hour": 10, "minute": 25}
